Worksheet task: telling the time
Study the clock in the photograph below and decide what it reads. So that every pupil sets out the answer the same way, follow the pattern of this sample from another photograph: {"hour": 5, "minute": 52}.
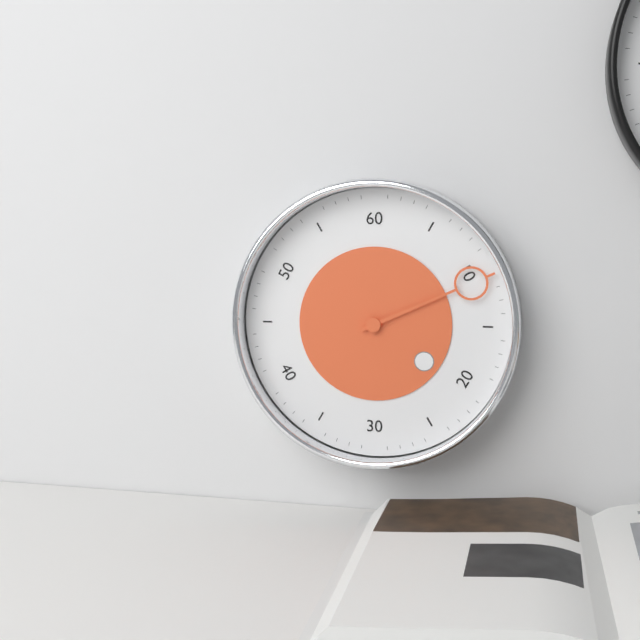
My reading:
{"hour": 4, "minute": 11}
